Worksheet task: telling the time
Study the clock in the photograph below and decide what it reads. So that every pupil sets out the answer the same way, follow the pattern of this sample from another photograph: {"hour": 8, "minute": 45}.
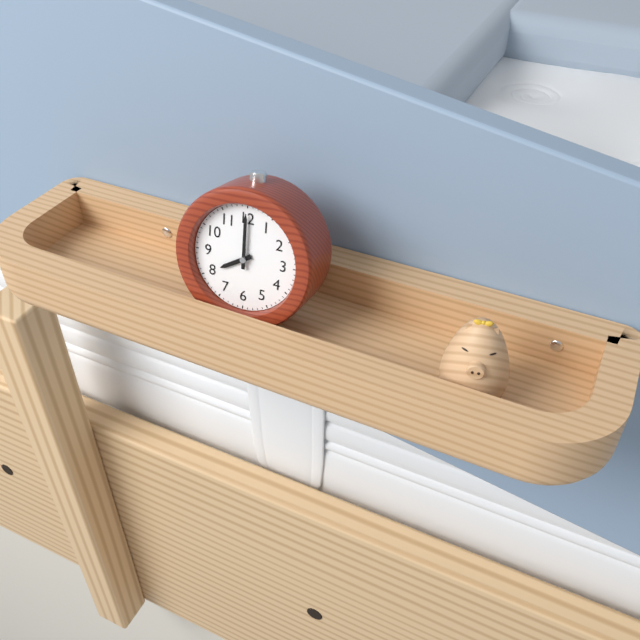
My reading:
{"hour": 8, "minute": 0}
